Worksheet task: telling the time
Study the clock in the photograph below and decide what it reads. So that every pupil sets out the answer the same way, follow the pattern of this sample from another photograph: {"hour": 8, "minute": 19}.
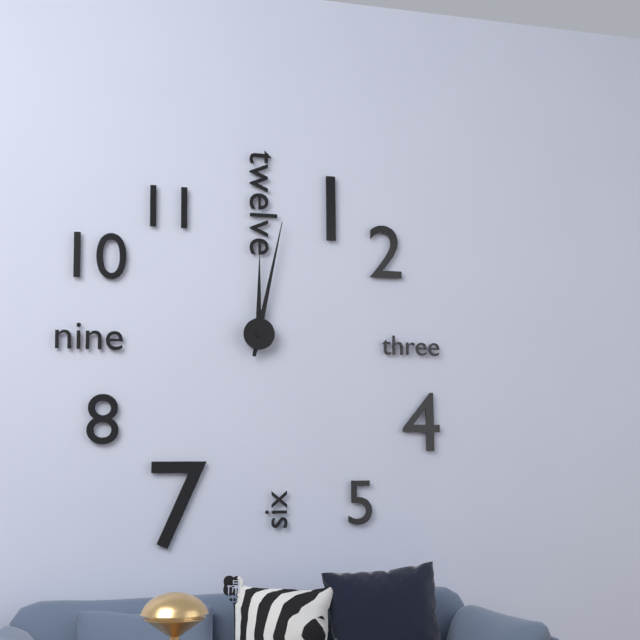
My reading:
{"hour": 12, "minute": 2}
